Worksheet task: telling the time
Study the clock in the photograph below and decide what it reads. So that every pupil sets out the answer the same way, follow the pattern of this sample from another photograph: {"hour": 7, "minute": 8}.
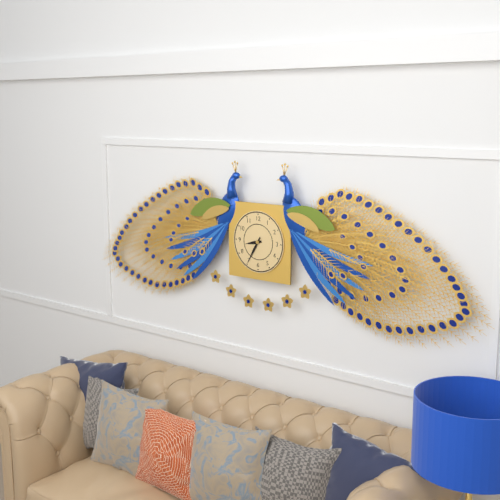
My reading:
{"hour": 8, "minute": 35}
